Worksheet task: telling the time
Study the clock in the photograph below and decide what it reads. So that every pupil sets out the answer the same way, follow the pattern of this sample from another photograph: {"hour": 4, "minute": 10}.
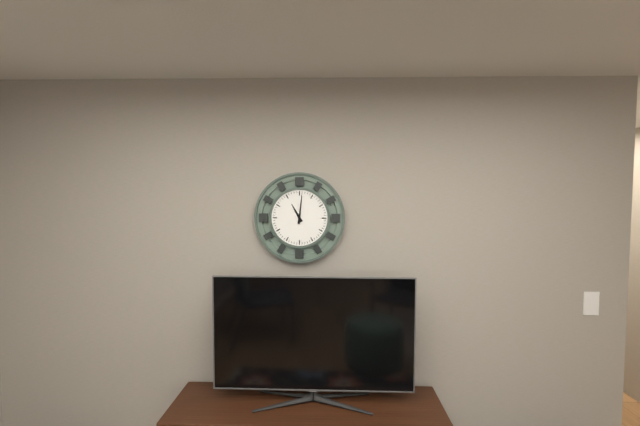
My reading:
{"hour": 11, "minute": 1}
